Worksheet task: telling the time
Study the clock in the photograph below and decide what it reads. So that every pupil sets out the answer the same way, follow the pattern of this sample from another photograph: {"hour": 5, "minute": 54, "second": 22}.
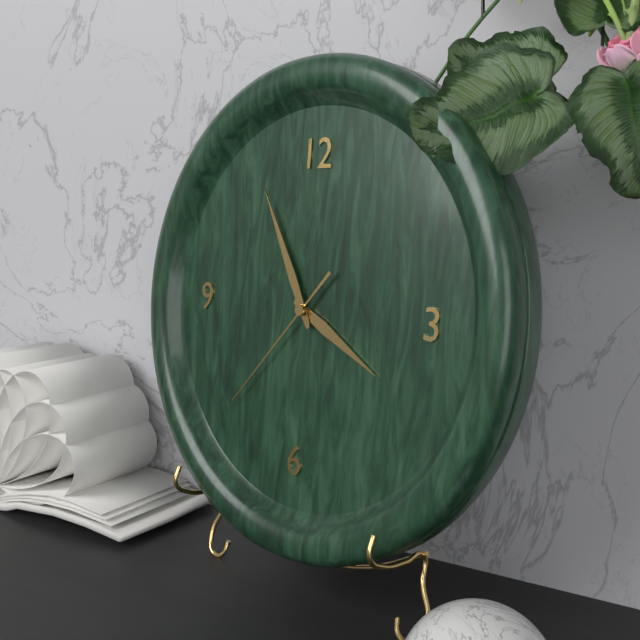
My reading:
{"hour": 3, "minute": 55, "second": 37}
